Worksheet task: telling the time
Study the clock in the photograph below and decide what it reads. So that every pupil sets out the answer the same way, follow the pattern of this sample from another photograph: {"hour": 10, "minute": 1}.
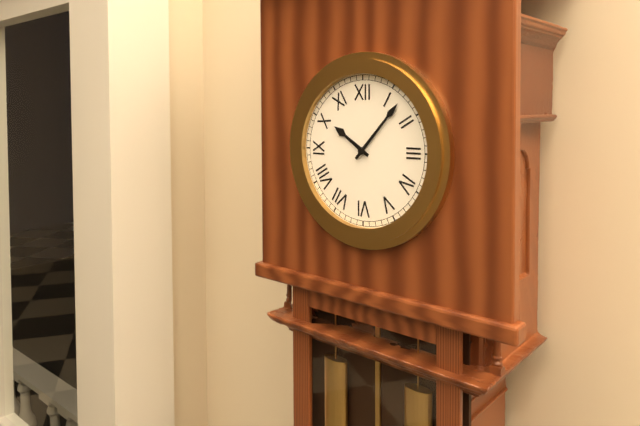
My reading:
{"hour": 10, "minute": 7}
